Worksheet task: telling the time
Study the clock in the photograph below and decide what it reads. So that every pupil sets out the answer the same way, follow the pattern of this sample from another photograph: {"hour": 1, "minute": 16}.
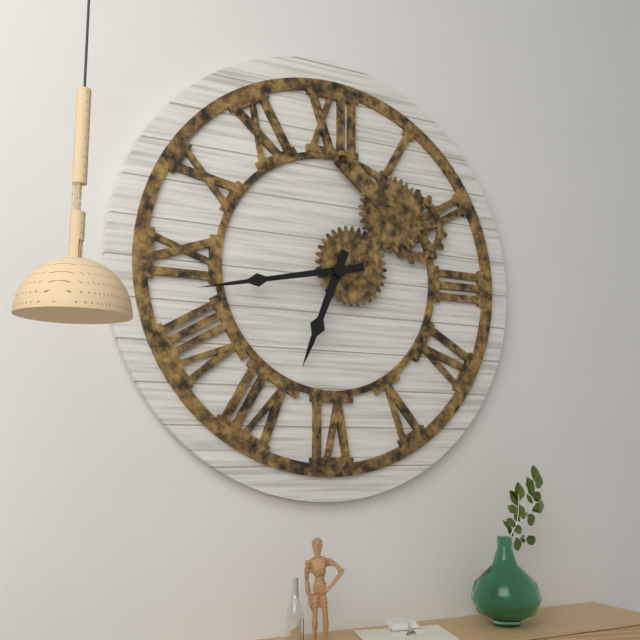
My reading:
{"hour": 6, "minute": 43}
